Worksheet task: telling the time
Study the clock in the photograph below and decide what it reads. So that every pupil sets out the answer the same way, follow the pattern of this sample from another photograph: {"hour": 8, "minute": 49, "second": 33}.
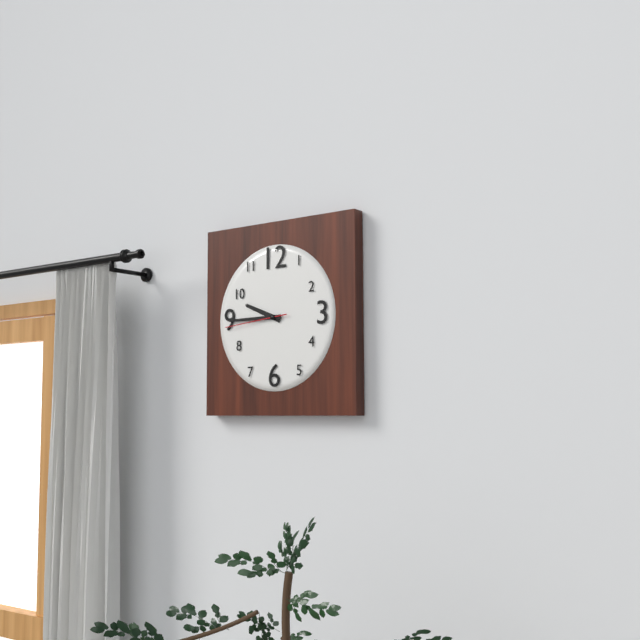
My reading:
{"hour": 9, "minute": 45, "second": 44}
